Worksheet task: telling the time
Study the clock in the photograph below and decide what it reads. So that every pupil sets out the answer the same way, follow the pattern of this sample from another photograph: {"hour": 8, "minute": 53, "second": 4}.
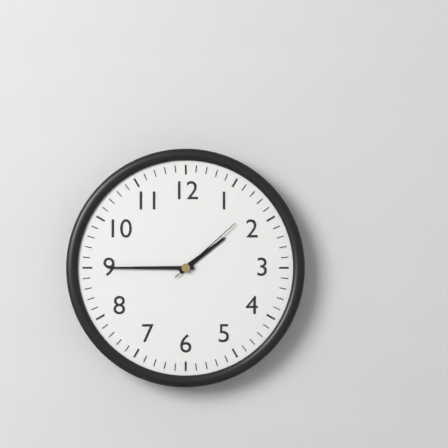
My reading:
{"hour": 1, "minute": 45, "second": 8}
